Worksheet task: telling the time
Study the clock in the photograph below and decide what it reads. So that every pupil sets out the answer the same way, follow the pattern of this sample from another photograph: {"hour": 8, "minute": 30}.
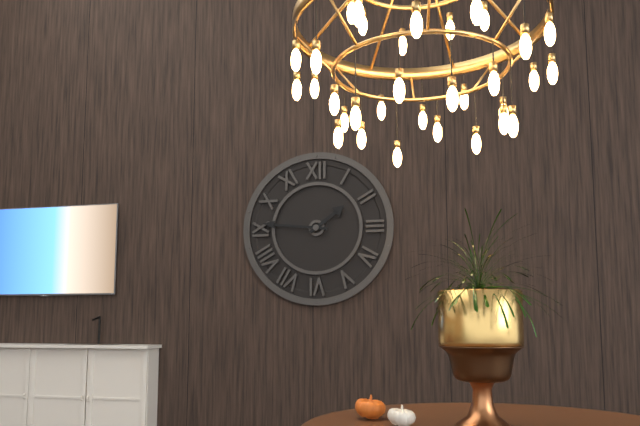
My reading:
{"hour": 1, "minute": 46}
